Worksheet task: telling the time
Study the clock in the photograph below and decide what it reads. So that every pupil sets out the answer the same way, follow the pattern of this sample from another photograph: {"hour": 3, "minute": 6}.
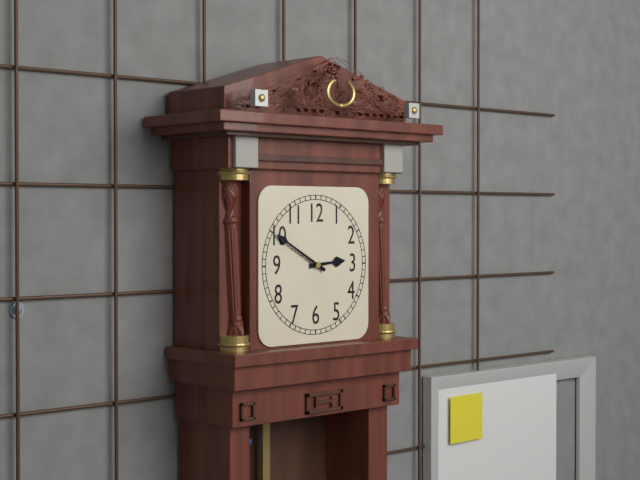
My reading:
{"hour": 2, "minute": 50}
